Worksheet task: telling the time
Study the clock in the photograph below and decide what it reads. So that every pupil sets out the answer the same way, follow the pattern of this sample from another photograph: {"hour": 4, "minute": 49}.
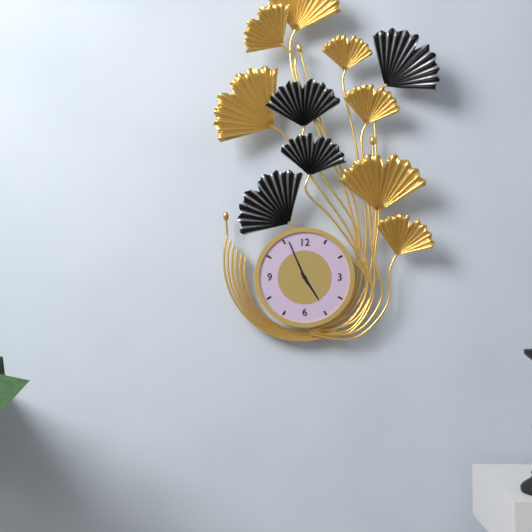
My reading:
{"hour": 4, "minute": 56}
